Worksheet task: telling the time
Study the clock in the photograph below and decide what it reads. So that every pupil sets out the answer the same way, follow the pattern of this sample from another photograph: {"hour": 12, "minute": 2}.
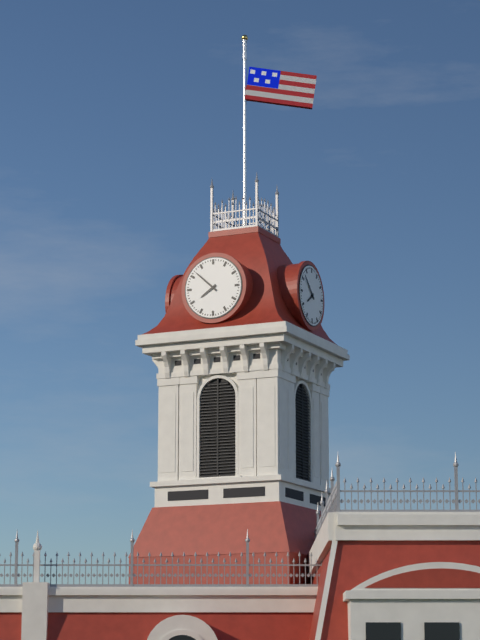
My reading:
{"hour": 7, "minute": 52}
